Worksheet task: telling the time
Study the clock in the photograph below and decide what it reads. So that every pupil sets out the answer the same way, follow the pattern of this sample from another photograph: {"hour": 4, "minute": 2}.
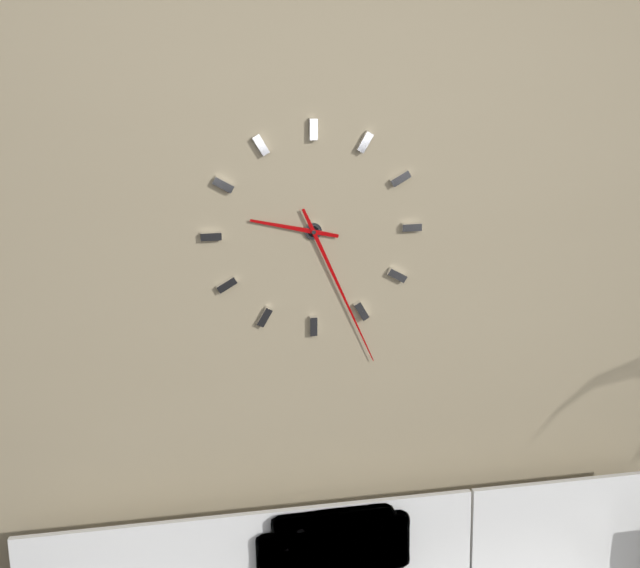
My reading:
{"hour": 9, "minute": 26}
